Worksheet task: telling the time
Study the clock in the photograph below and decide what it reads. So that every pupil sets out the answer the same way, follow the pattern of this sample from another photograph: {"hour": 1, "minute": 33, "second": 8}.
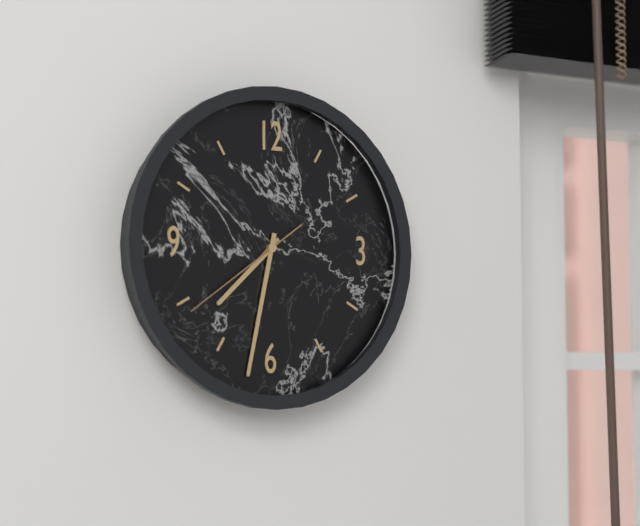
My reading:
{"hour": 7, "minute": 32, "second": 39}
